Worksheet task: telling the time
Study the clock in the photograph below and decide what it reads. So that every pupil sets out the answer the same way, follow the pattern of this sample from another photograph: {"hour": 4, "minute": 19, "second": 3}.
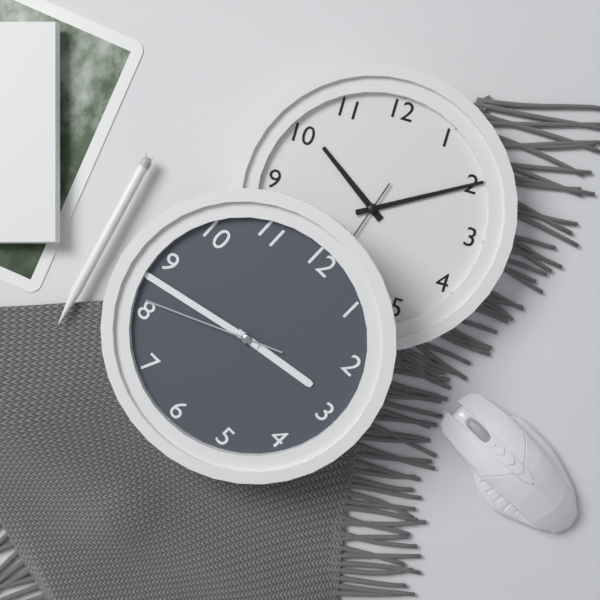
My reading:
{"hour": 2, "minute": 43, "second": 41}
